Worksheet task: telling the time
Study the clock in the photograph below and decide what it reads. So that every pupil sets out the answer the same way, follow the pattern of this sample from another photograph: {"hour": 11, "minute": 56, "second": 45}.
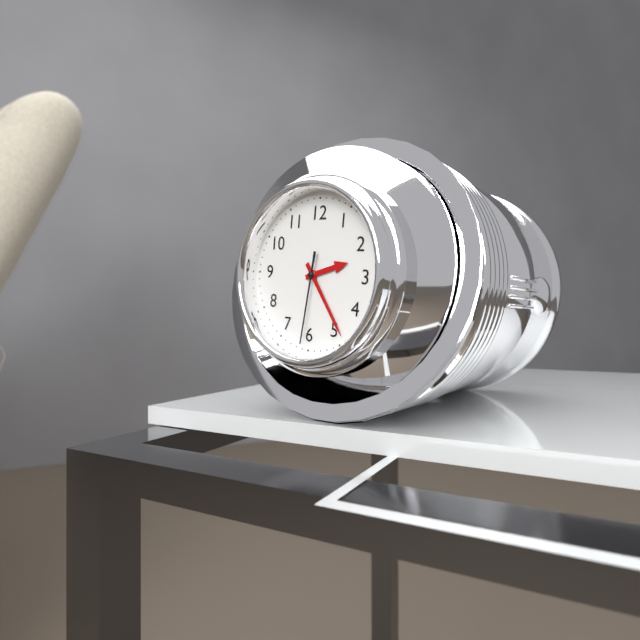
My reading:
{"hour": 2, "minute": 24, "second": 31}
